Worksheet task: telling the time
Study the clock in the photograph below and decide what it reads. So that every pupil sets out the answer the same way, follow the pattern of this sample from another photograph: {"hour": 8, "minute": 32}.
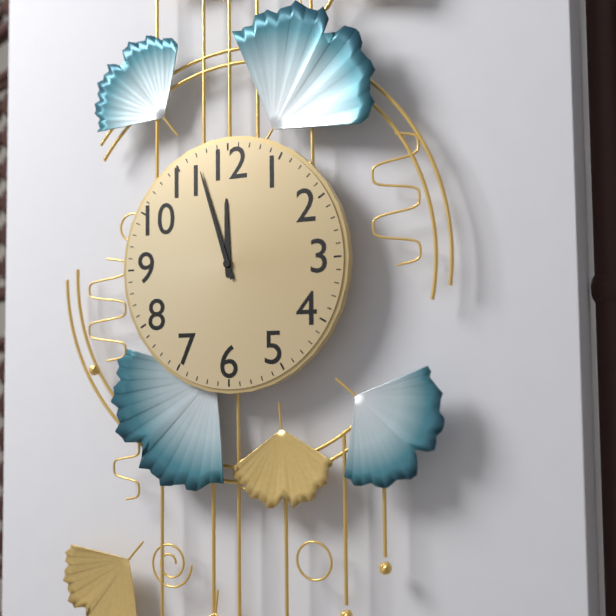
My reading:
{"hour": 11, "minute": 57}
